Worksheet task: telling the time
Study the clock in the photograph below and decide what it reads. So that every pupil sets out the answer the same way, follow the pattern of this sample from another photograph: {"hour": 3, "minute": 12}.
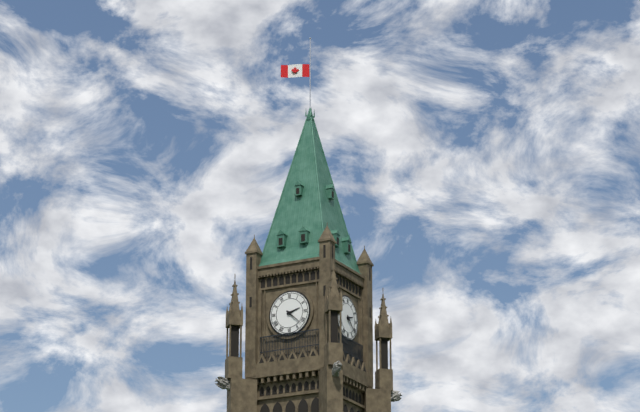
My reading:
{"hour": 2, "minute": 22}
